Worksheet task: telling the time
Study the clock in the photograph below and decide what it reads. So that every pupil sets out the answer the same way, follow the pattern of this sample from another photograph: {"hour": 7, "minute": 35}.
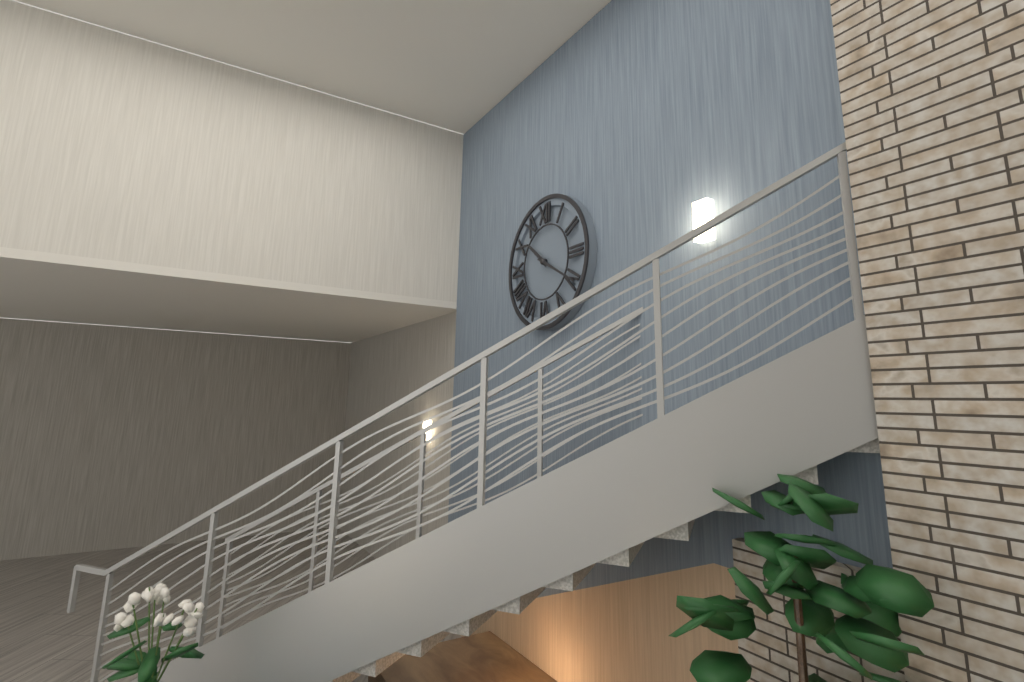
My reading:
{"hour": 10, "minute": 20}
